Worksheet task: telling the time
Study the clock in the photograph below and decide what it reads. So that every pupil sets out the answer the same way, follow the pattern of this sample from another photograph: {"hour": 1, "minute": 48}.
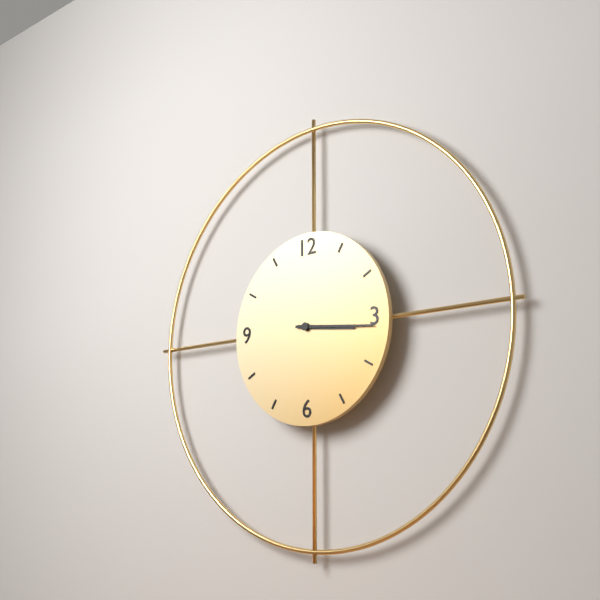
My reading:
{"hour": 3, "minute": 16}
